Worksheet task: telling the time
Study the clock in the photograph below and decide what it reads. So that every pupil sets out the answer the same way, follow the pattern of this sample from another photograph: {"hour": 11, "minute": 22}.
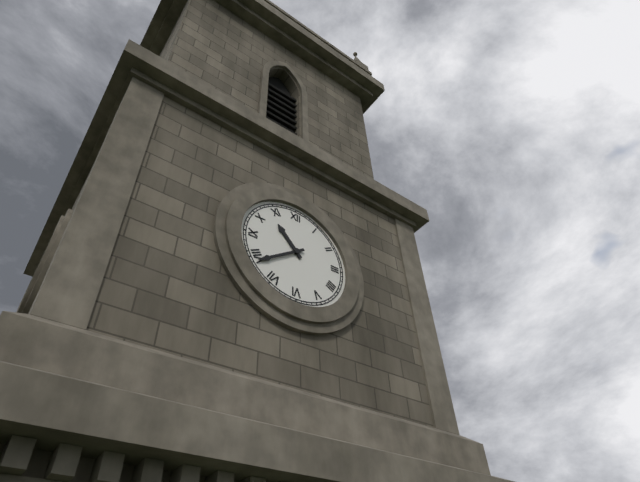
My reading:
{"hour": 10, "minute": 39}
